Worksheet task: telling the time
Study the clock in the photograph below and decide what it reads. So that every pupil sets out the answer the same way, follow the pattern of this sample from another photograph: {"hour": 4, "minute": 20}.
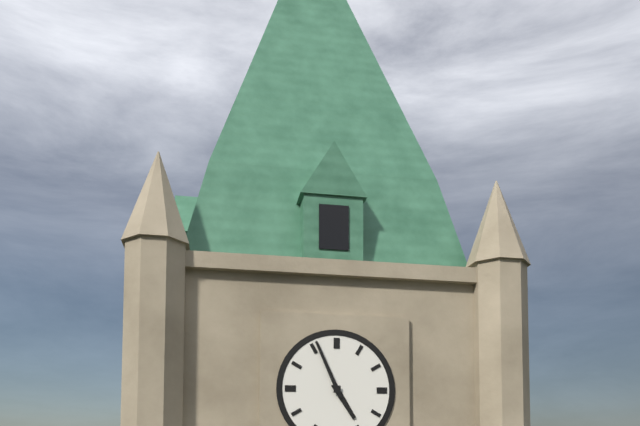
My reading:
{"hour": 4, "minute": 56}
